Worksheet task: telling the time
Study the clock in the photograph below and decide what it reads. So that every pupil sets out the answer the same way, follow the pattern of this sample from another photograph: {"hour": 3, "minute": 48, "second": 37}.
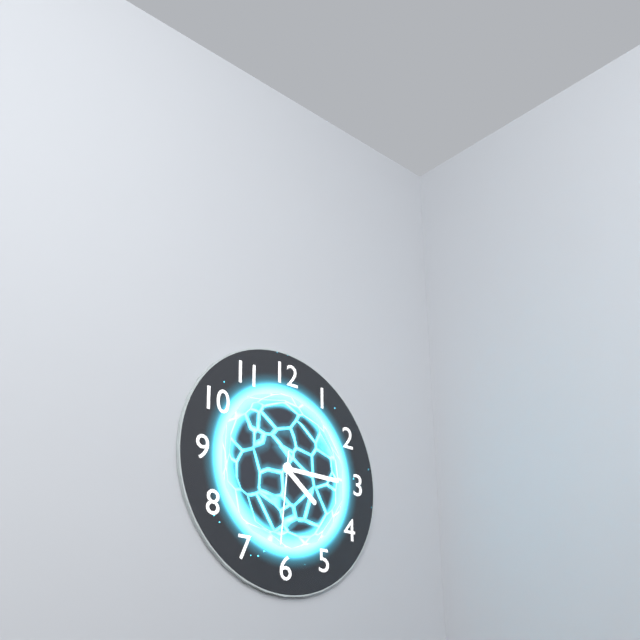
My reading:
{"hour": 4, "minute": 15, "second": 31}
